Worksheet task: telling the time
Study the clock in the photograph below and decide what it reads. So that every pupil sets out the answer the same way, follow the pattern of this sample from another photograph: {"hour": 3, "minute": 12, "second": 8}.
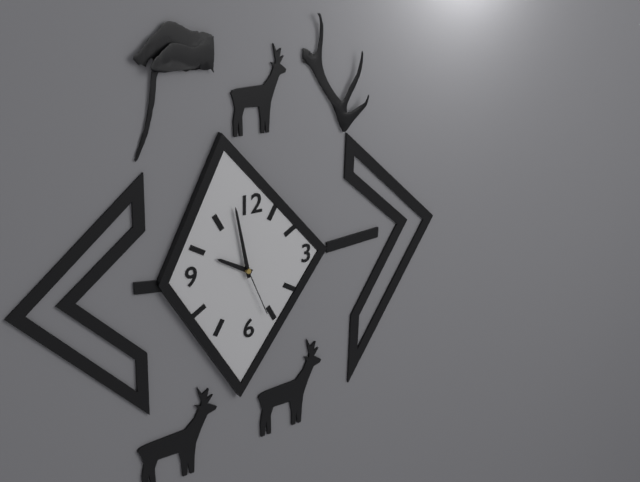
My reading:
{"hour": 9, "minute": 58, "second": 26}
